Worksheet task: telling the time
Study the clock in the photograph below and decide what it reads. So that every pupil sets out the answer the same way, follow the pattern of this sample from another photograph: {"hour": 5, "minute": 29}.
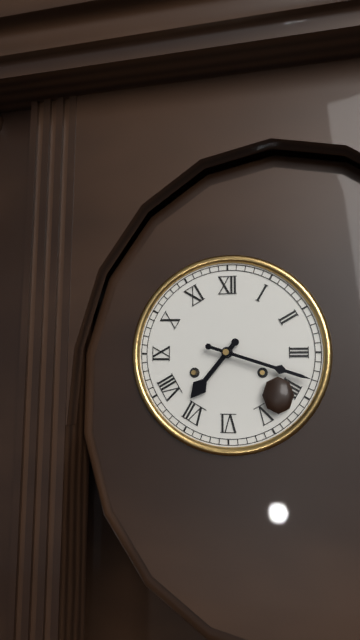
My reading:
{"hour": 7, "minute": 18}
